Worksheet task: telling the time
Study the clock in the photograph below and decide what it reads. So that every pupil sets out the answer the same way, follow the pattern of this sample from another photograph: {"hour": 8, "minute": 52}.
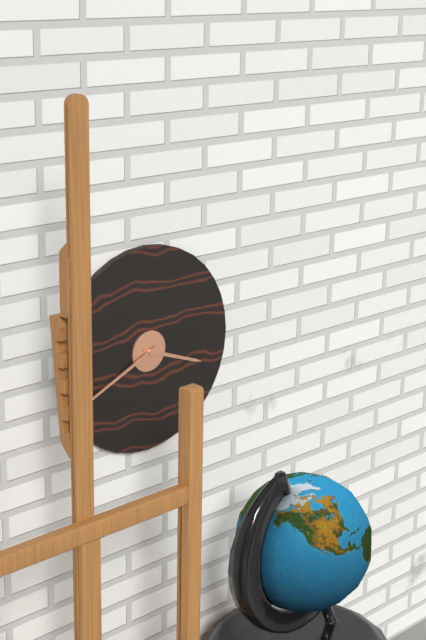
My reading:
{"hour": 3, "minute": 41}
